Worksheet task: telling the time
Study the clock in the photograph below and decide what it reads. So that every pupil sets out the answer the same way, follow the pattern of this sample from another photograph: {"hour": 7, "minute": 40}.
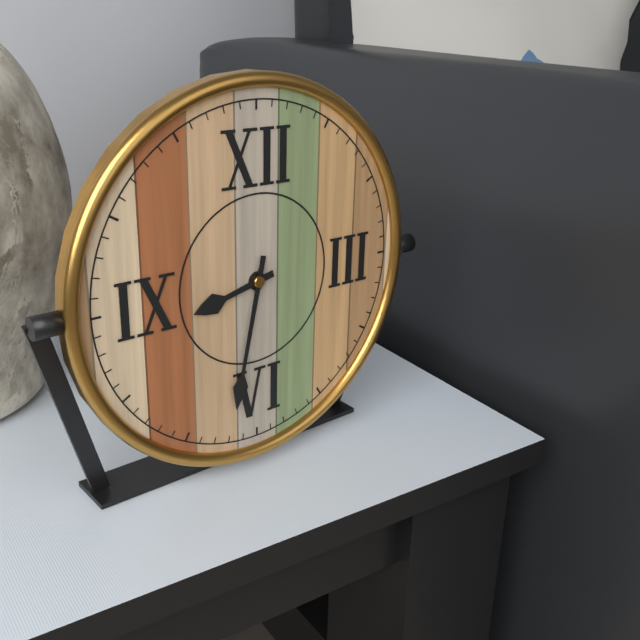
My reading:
{"hour": 8, "minute": 32}
